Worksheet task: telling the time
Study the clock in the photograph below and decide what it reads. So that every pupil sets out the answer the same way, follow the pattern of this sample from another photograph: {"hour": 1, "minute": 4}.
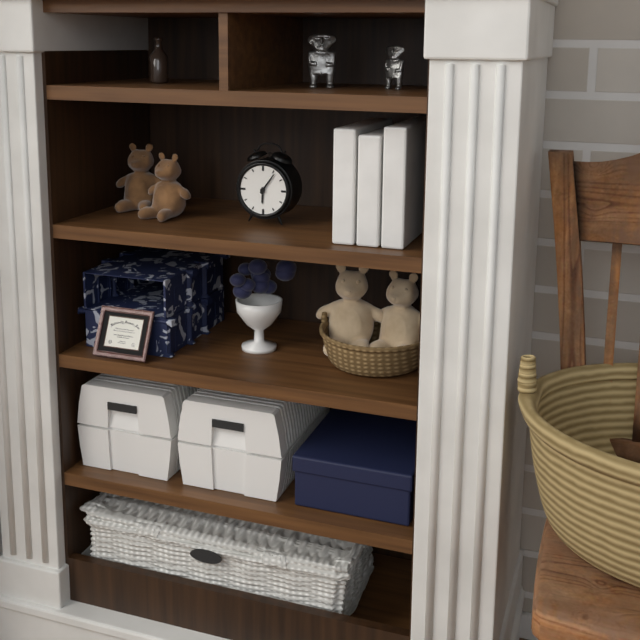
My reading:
{"hour": 6, "minute": 6}
